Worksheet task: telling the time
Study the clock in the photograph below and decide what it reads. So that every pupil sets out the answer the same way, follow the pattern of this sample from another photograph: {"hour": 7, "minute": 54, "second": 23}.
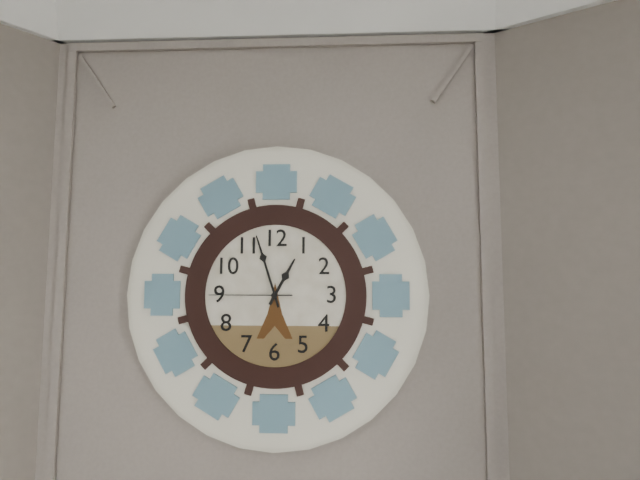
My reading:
{"hour": 12, "minute": 57, "second": 45}
